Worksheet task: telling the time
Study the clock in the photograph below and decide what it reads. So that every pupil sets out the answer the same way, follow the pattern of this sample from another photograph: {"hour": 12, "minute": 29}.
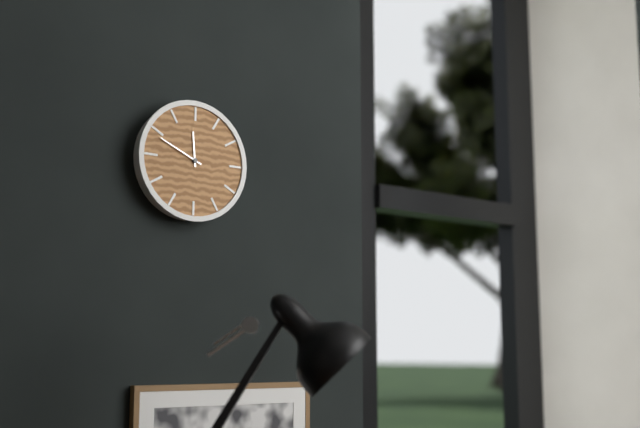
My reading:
{"hour": 11, "minute": 49}
